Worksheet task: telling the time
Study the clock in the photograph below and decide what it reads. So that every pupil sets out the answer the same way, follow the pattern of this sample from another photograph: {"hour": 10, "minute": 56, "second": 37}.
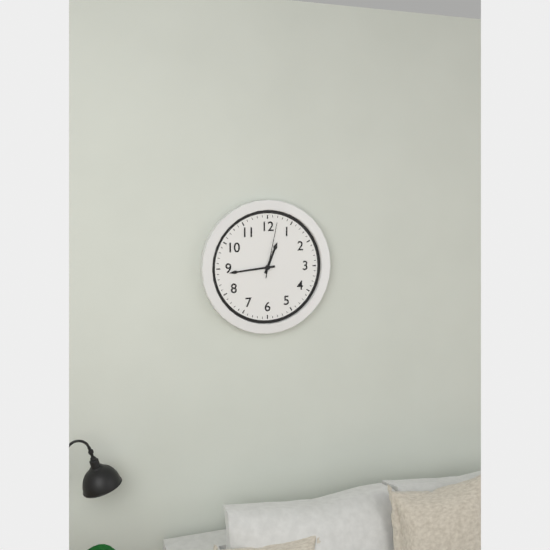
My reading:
{"hour": 12, "minute": 44, "second": 2}
